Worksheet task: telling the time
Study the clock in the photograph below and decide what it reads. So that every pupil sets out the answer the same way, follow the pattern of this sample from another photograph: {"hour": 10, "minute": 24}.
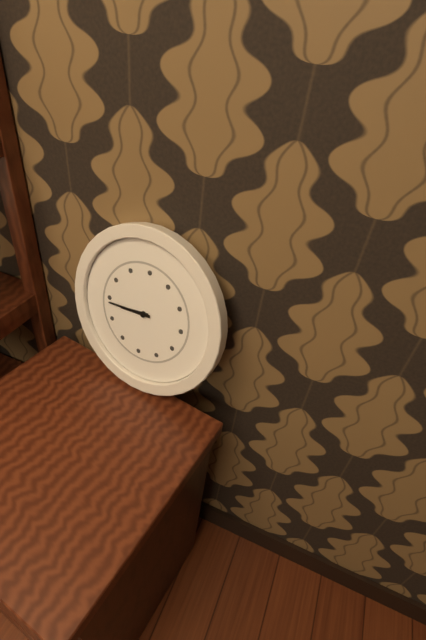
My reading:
{"hour": 8, "minute": 44}
